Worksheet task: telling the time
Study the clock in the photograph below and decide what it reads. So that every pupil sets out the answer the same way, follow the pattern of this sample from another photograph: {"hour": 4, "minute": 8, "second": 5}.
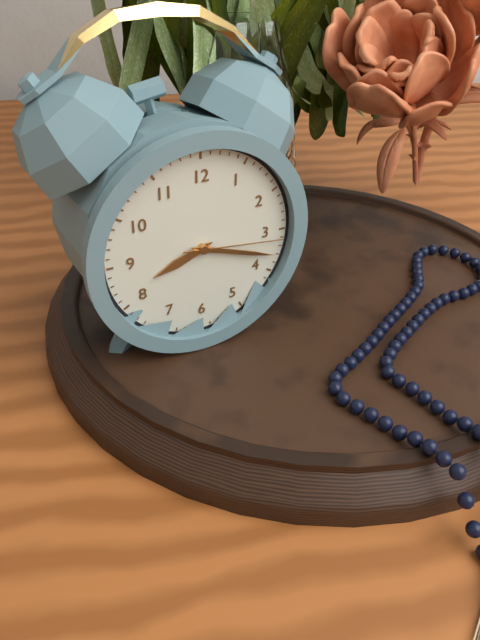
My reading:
{"hour": 8, "minute": 18, "second": 16}
